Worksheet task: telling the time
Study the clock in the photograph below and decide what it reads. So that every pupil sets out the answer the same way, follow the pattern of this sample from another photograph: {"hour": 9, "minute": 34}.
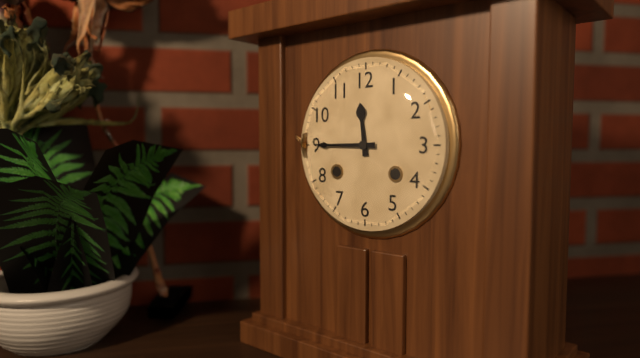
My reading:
{"hour": 11, "minute": 45}
